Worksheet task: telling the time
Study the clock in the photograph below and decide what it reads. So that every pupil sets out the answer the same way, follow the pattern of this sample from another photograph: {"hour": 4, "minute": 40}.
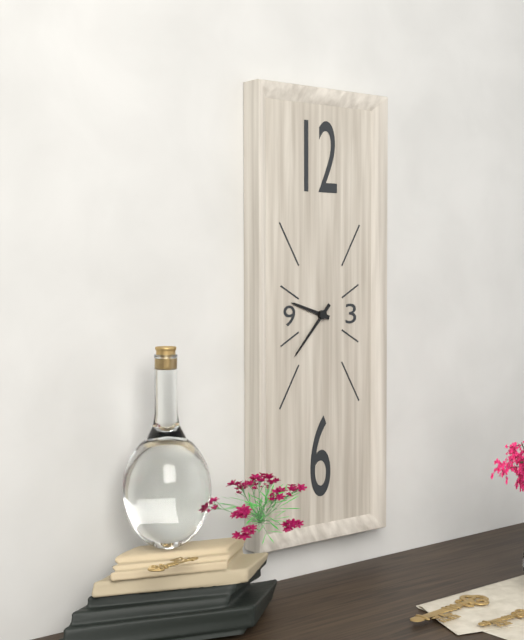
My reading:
{"hour": 9, "minute": 37}
